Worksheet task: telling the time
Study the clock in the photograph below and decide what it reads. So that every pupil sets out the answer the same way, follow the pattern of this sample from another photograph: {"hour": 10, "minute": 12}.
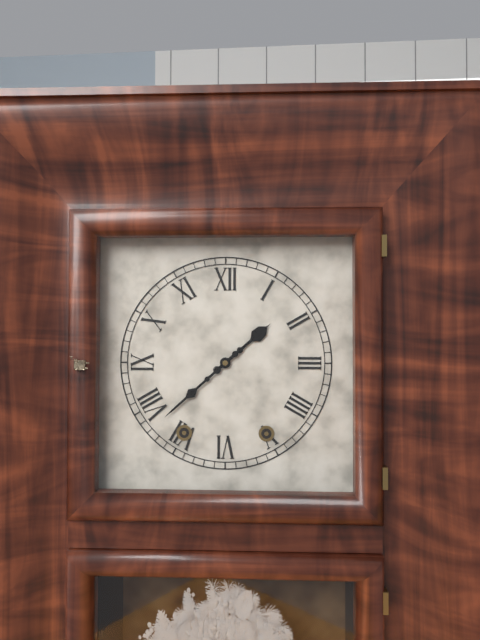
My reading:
{"hour": 1, "minute": 38}
